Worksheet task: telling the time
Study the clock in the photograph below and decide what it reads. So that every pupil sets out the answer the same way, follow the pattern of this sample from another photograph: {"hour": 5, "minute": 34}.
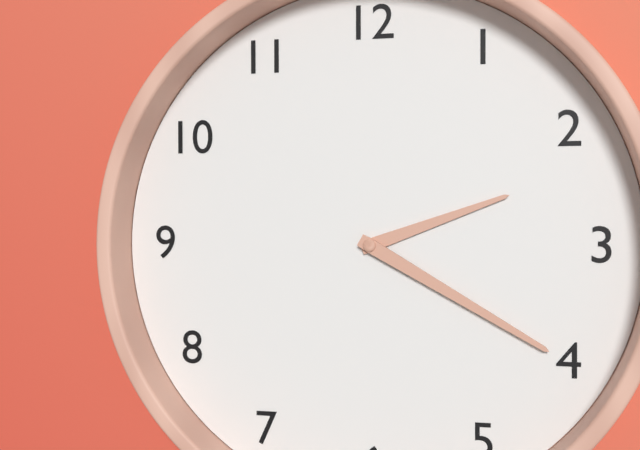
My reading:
{"hour": 2, "minute": 20}
